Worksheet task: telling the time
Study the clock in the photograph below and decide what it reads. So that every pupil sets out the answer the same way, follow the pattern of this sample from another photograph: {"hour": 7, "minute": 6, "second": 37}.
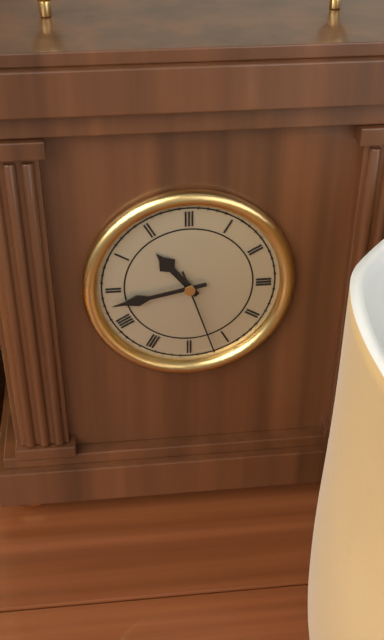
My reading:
{"hour": 10, "minute": 43, "second": 27}
